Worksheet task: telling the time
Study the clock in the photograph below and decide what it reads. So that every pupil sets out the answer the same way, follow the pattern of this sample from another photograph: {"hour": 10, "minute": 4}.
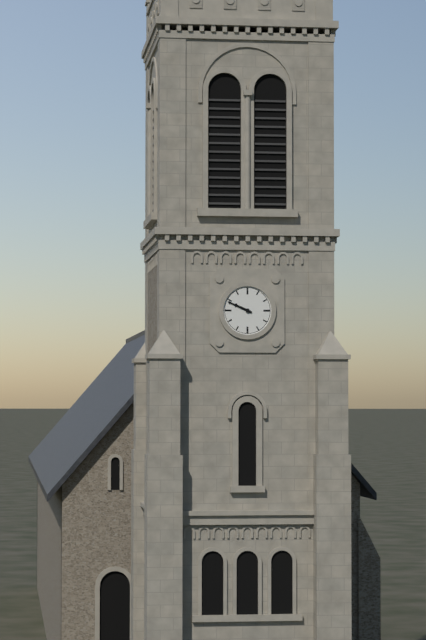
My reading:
{"hour": 9, "minute": 49}
